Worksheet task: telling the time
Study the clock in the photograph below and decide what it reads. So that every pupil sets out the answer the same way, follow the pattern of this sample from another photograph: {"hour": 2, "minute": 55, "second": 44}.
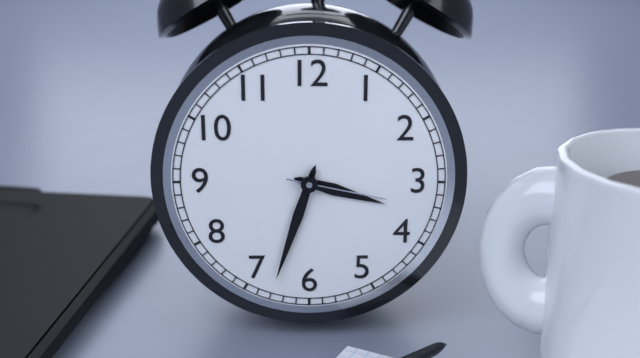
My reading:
{"hour": 3, "minute": 33, "second": 17}
